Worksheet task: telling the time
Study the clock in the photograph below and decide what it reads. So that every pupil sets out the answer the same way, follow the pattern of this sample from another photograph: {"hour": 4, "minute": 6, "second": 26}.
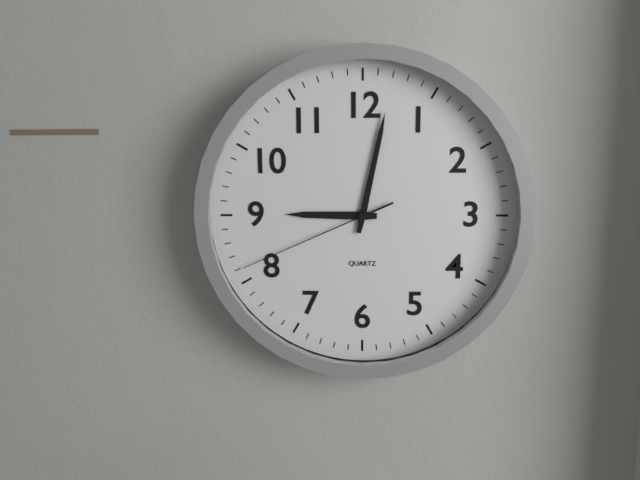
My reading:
{"hour": 9, "minute": 2, "second": 41}
